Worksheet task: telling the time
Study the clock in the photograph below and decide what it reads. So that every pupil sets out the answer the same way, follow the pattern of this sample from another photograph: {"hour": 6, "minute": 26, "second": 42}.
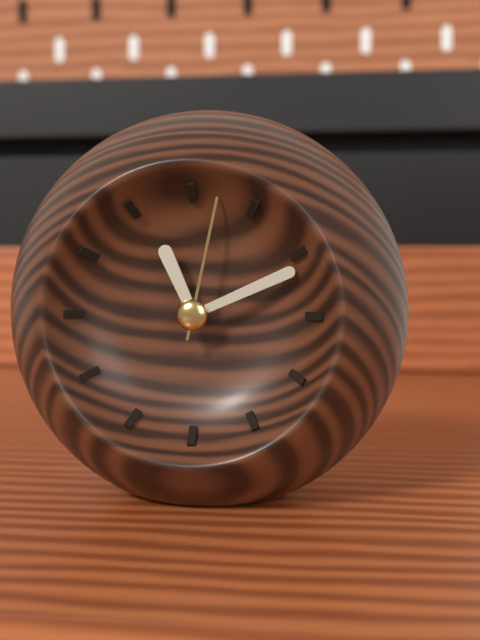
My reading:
{"hour": 11, "minute": 11, "second": 2}
